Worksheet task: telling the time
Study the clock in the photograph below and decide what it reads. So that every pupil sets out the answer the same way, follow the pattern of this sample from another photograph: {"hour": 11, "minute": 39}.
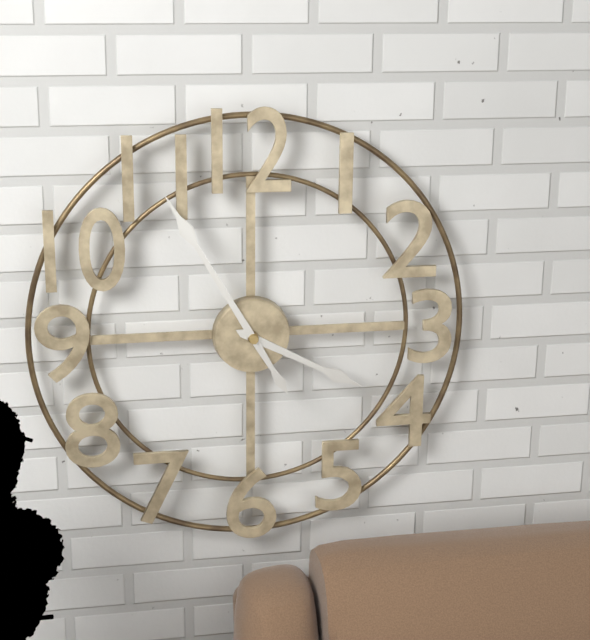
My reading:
{"hour": 3, "minute": 55}
